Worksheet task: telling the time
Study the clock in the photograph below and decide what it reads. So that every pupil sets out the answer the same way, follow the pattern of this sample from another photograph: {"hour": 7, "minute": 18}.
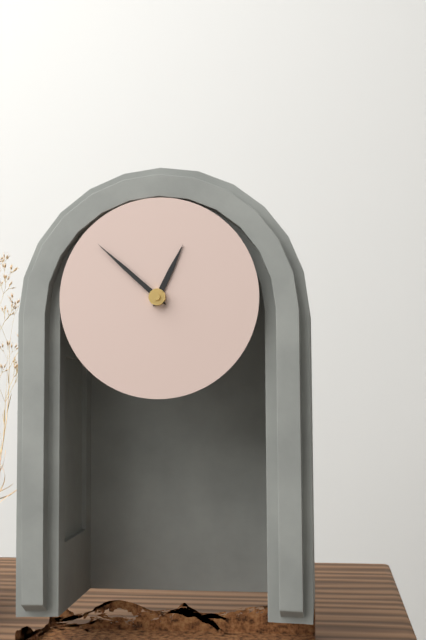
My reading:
{"hour": 12, "minute": 52}
